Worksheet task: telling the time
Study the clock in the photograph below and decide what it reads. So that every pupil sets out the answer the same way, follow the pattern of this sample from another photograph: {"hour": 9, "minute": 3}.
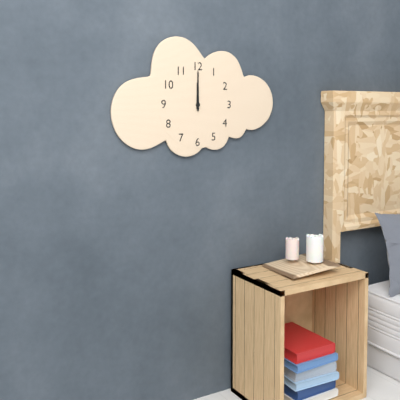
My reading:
{"hour": 12, "minute": 0}
